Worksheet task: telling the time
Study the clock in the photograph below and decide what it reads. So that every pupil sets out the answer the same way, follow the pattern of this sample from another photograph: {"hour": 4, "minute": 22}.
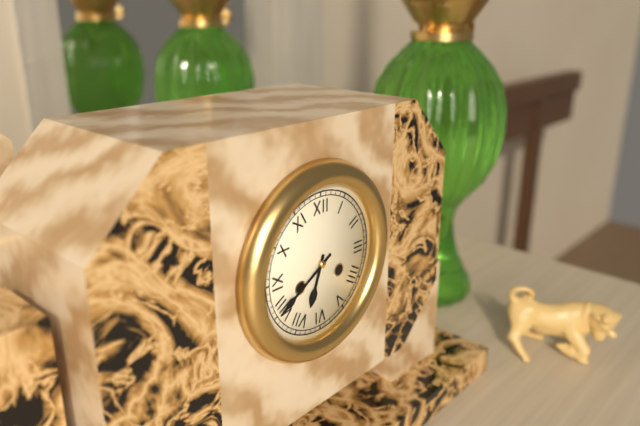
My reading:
{"hour": 6, "minute": 40}
